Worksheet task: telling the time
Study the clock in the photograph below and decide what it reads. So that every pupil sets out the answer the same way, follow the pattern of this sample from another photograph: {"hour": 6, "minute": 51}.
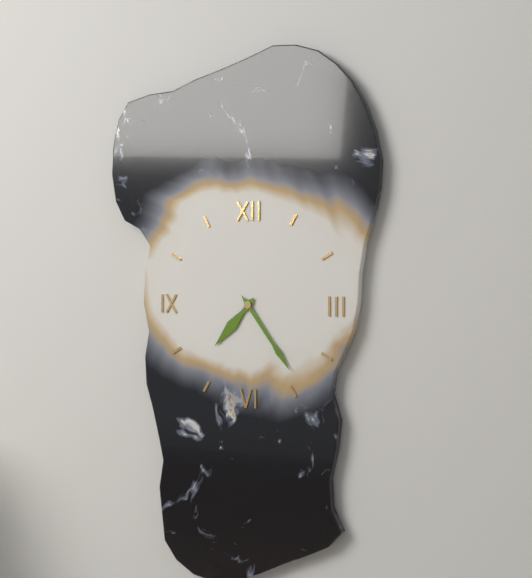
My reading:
{"hour": 7, "minute": 24}
